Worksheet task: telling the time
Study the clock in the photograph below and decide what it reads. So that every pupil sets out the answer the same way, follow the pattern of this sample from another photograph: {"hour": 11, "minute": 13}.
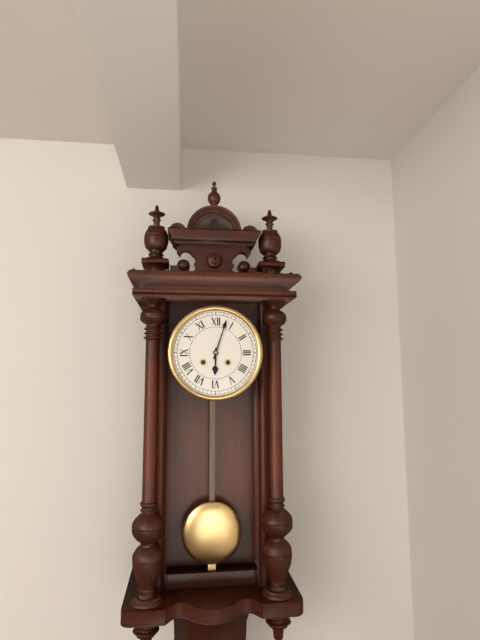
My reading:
{"hour": 6, "minute": 3}
